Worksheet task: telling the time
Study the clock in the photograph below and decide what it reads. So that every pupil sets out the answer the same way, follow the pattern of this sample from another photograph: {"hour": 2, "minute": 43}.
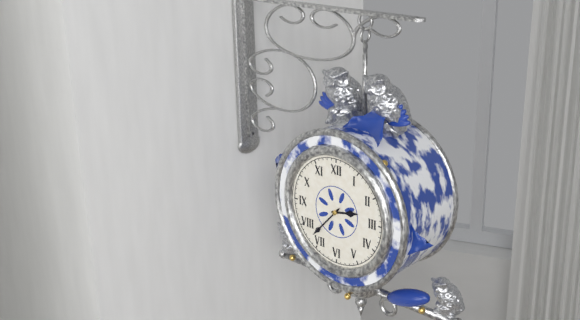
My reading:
{"hour": 2, "minute": 37}
